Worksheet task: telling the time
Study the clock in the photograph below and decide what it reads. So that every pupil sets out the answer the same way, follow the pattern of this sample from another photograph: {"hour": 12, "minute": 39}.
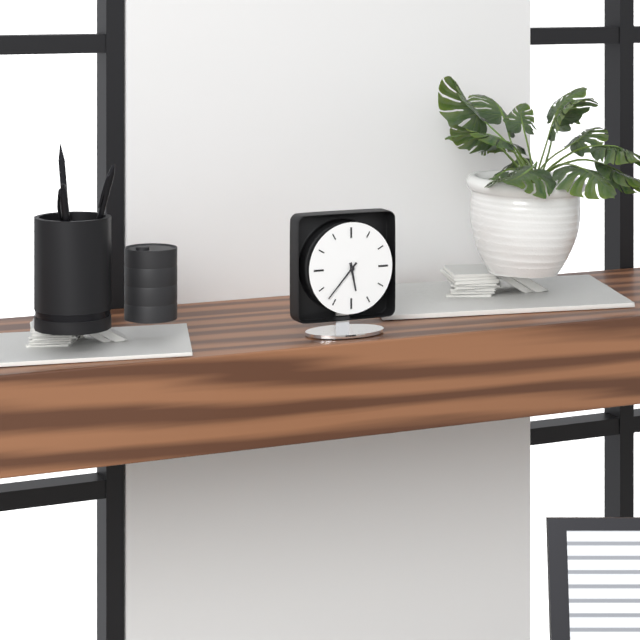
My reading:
{"hour": 5, "minute": 37}
